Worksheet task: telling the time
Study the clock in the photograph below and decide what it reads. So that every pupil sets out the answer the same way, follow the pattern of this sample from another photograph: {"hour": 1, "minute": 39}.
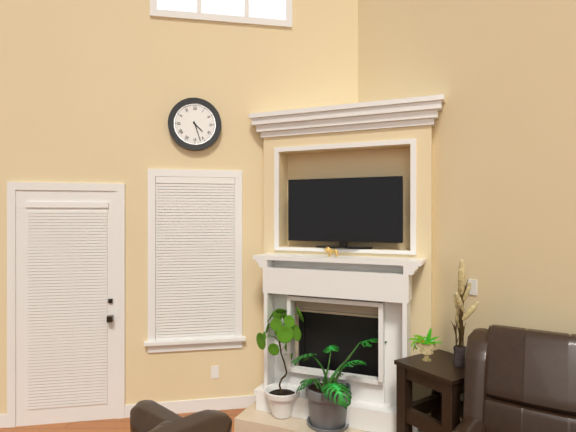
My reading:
{"hour": 4, "minute": 27}
